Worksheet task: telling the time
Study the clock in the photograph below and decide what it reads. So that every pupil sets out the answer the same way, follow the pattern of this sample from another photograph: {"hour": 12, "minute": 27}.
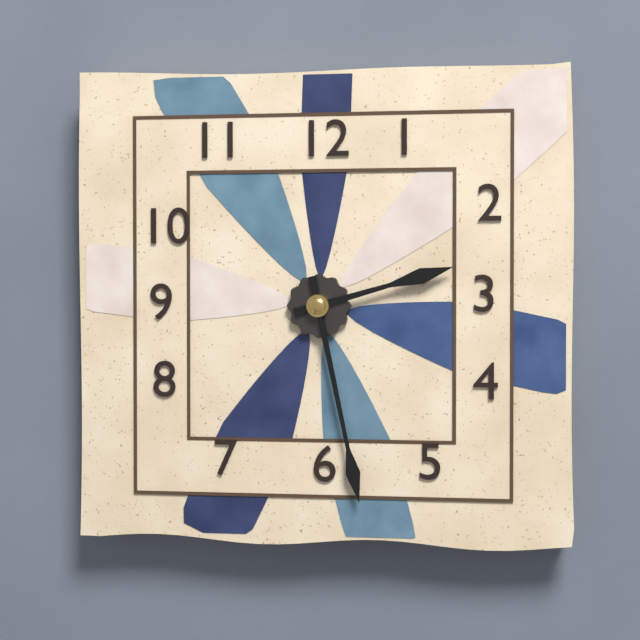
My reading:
{"hour": 2, "minute": 28}
